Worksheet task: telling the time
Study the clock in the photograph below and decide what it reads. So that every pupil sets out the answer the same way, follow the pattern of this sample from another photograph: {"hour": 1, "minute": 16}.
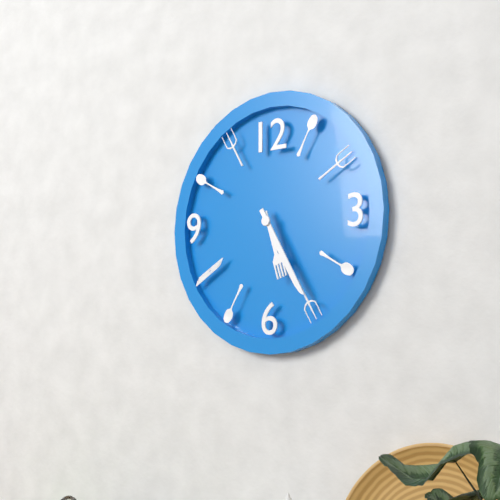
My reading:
{"hour": 5, "minute": 25}
